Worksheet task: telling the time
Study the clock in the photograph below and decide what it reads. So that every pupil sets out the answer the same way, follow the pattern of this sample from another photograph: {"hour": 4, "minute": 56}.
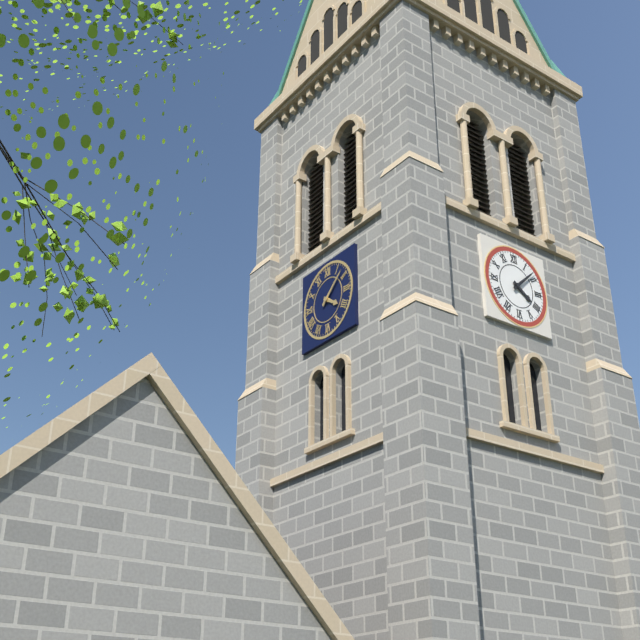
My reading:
{"hour": 4, "minute": 8}
